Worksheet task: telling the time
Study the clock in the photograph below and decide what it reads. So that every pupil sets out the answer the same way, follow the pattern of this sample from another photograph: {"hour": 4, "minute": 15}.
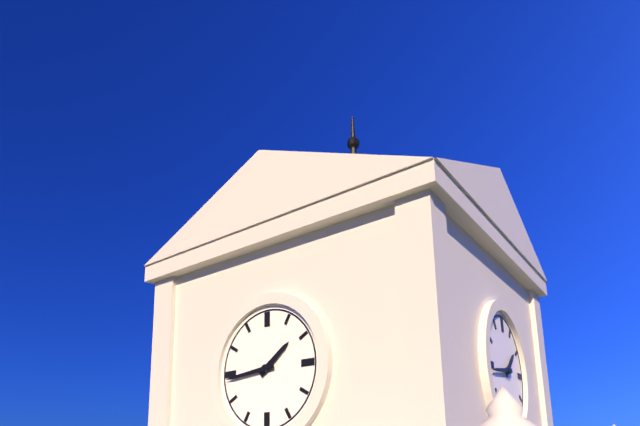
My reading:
{"hour": 1, "minute": 44}
